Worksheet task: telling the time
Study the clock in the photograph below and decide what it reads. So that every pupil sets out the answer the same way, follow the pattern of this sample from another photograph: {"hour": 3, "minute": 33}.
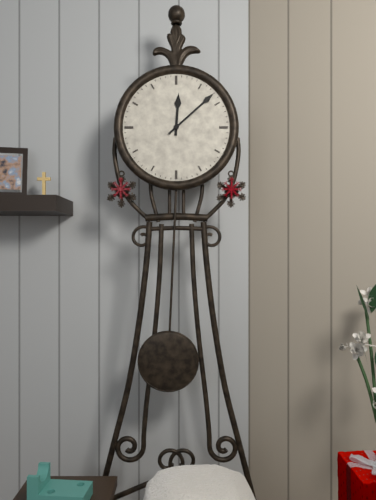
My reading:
{"hour": 12, "minute": 8}
